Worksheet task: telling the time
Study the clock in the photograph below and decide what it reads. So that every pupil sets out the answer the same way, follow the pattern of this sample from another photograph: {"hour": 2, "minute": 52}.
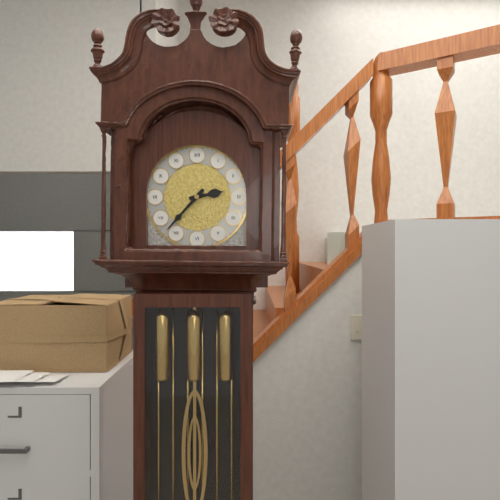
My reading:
{"hour": 2, "minute": 37}
